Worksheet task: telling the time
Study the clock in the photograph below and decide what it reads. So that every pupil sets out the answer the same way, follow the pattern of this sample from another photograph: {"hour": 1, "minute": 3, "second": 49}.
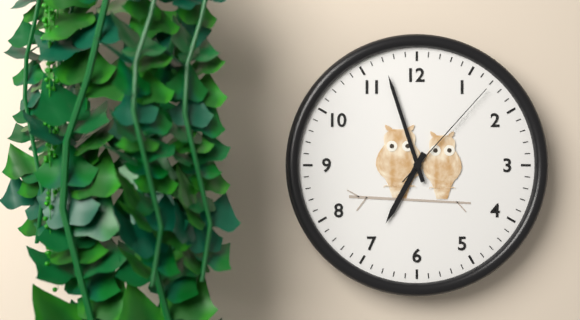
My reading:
{"hour": 6, "minute": 57, "second": 7}
